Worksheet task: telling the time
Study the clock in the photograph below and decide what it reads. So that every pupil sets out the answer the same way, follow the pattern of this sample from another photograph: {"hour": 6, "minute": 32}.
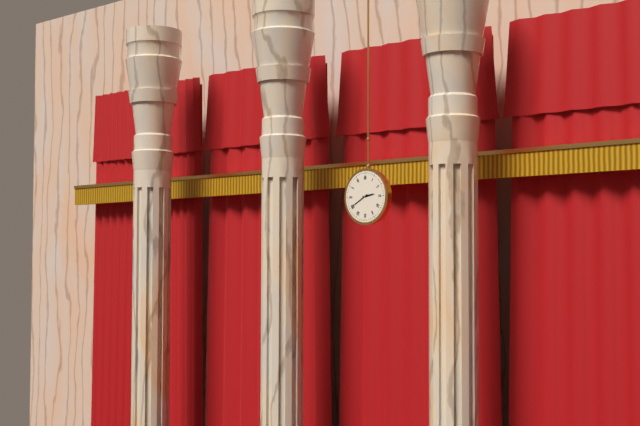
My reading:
{"hour": 2, "minute": 40}
